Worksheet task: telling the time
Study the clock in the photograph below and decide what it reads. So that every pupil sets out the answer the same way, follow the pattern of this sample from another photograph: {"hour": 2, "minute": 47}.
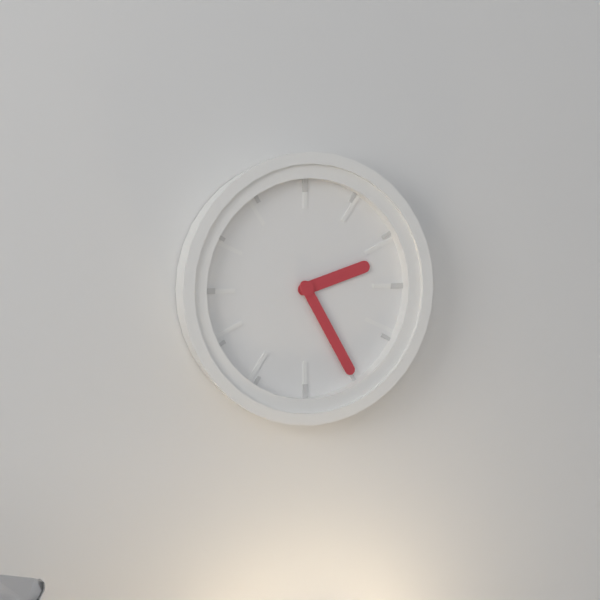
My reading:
{"hour": 2, "minute": 25}
